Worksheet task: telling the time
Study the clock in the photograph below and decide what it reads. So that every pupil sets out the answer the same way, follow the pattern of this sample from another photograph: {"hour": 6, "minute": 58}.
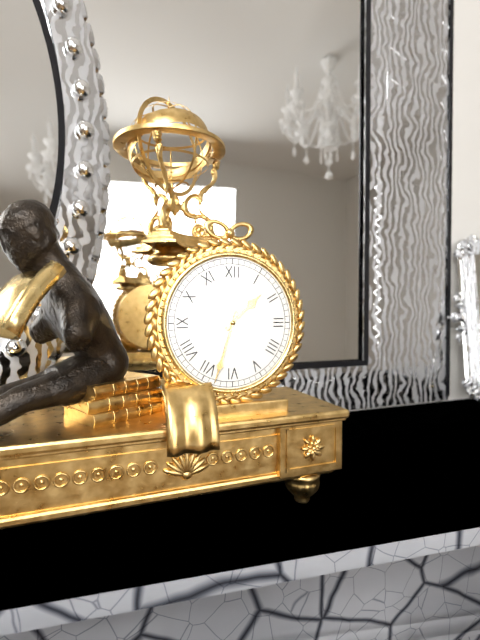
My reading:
{"hour": 1, "minute": 33}
